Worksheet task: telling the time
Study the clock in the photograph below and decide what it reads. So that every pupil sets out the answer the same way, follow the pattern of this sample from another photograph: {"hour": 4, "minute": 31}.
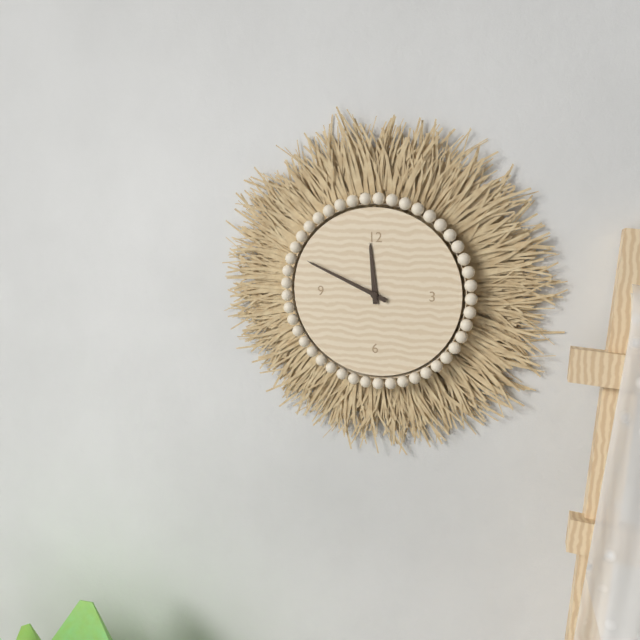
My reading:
{"hour": 11, "minute": 49}
